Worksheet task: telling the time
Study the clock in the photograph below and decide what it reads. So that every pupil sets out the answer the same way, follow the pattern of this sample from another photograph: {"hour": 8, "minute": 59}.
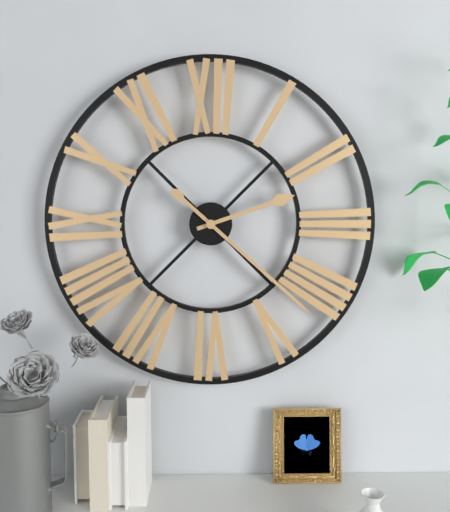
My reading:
{"hour": 2, "minute": 22}
